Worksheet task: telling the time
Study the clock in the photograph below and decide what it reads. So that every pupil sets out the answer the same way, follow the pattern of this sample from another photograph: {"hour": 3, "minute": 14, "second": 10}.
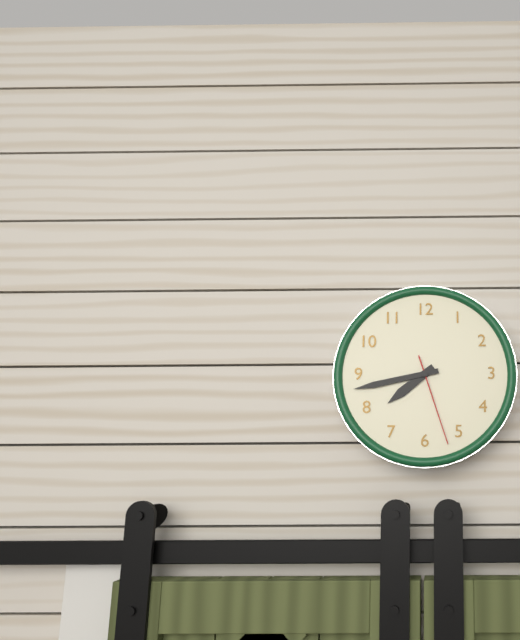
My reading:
{"hour": 7, "minute": 43, "second": 27}
